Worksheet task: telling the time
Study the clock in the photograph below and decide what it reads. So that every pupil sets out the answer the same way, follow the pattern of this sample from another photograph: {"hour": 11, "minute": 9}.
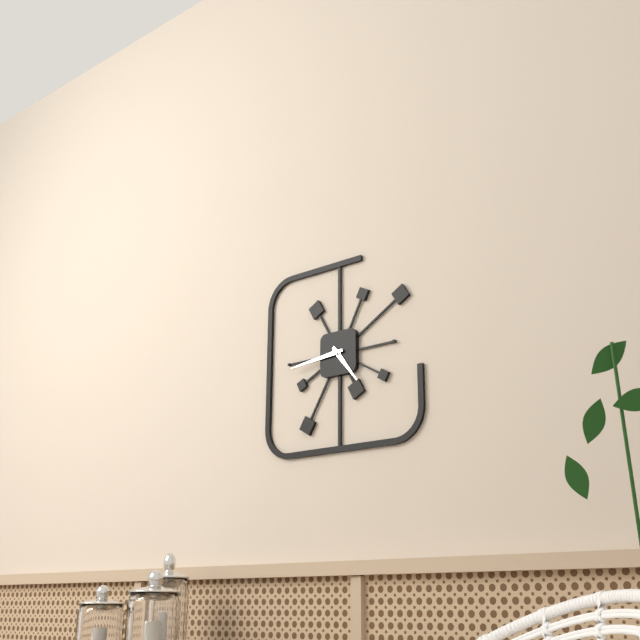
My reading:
{"hour": 4, "minute": 44}
